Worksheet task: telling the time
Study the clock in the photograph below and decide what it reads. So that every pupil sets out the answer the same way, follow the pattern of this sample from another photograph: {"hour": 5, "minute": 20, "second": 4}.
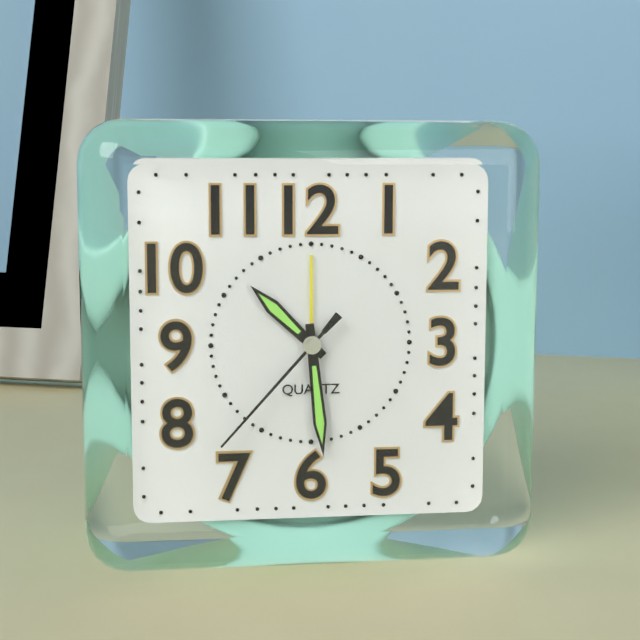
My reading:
{"hour": 10, "minute": 29, "second": 37}
